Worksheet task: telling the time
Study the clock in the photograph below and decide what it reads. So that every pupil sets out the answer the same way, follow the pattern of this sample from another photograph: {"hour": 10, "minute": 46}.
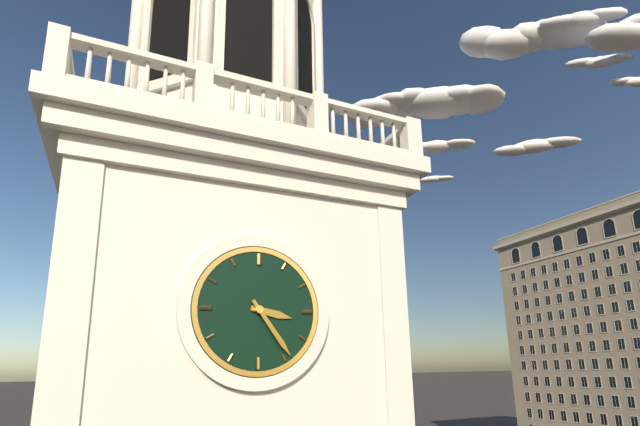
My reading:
{"hour": 3, "minute": 24}
